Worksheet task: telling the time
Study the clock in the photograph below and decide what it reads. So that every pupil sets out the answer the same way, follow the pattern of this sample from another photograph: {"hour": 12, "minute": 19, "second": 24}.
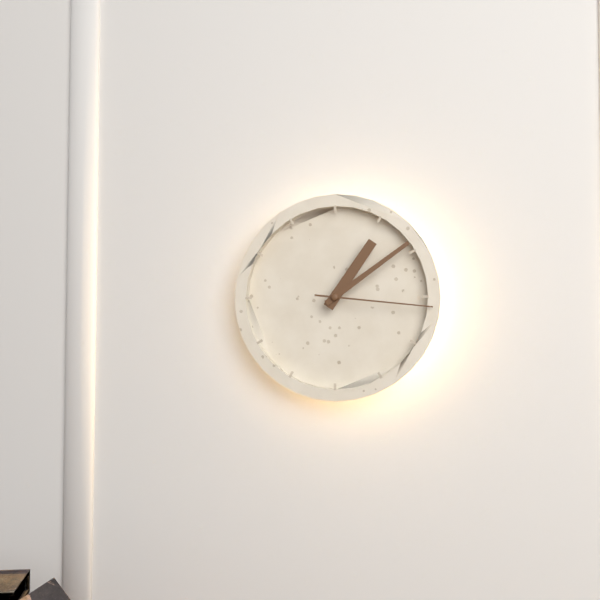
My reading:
{"hour": 1, "minute": 9, "second": 16}
